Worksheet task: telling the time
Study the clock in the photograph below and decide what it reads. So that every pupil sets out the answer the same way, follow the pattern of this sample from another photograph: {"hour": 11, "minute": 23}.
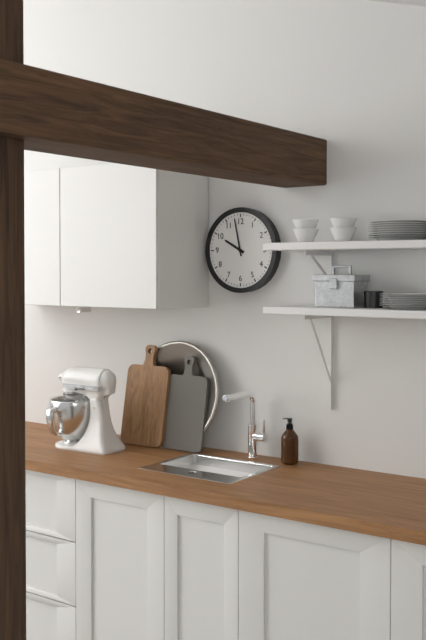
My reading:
{"hour": 9, "minute": 58}
